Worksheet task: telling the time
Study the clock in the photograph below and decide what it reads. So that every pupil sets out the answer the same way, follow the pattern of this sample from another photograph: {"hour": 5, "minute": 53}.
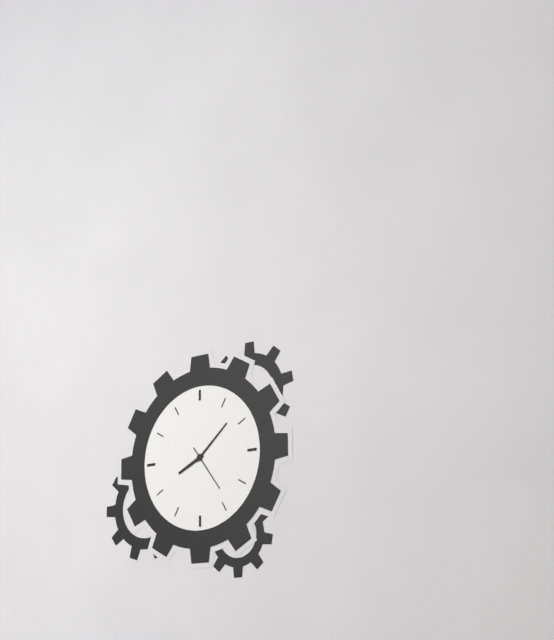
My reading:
{"hour": 8, "minute": 8}
